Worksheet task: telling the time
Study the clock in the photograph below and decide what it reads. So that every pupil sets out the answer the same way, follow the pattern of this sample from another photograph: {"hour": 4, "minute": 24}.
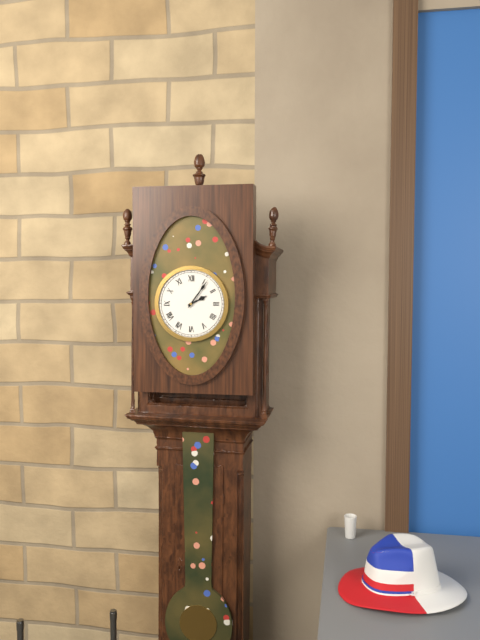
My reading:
{"hour": 2, "minute": 6}
